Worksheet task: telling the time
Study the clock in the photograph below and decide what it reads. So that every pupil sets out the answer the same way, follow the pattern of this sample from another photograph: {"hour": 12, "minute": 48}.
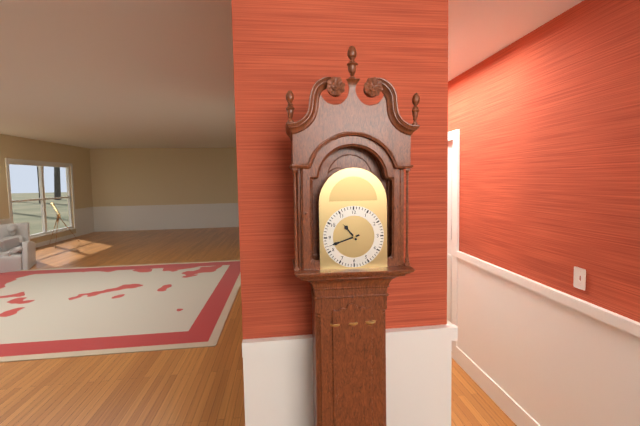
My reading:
{"hour": 10, "minute": 42}
